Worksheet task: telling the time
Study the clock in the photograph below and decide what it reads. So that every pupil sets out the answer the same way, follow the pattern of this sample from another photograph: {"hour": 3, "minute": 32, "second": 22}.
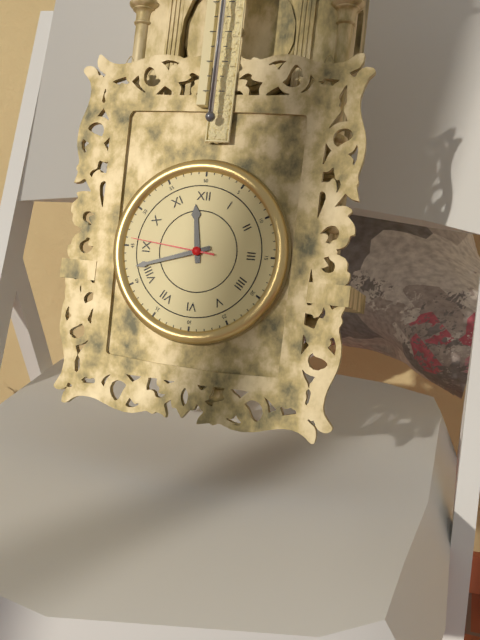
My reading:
{"hour": 11, "minute": 42, "second": 46}
